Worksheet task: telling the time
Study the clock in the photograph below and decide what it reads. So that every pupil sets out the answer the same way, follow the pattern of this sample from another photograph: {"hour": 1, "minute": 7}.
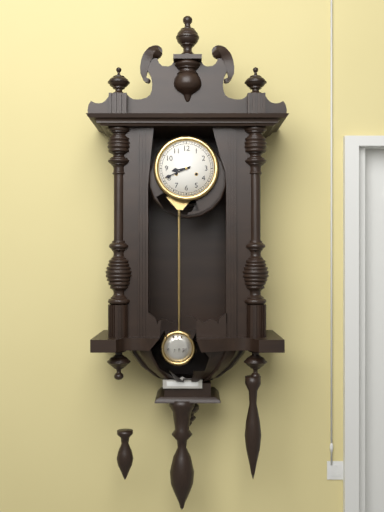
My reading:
{"hour": 8, "minute": 41}
